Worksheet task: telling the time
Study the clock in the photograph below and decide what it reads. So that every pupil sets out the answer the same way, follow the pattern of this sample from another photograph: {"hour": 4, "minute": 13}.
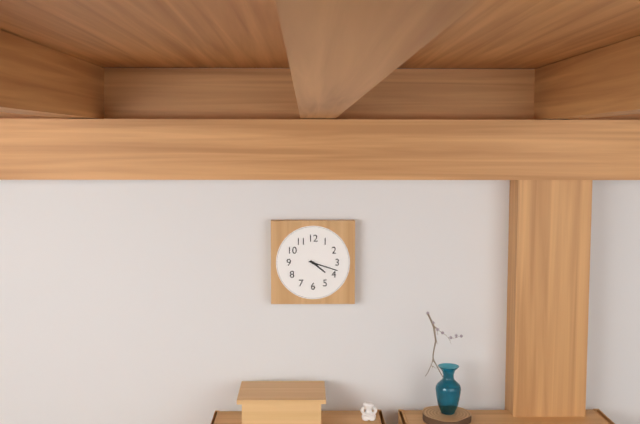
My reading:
{"hour": 4, "minute": 18}
